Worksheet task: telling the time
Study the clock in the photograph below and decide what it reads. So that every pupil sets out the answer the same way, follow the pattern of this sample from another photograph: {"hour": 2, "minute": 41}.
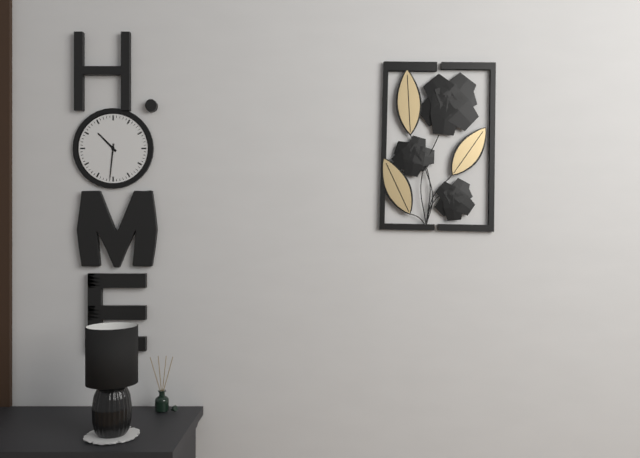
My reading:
{"hour": 10, "minute": 31}
